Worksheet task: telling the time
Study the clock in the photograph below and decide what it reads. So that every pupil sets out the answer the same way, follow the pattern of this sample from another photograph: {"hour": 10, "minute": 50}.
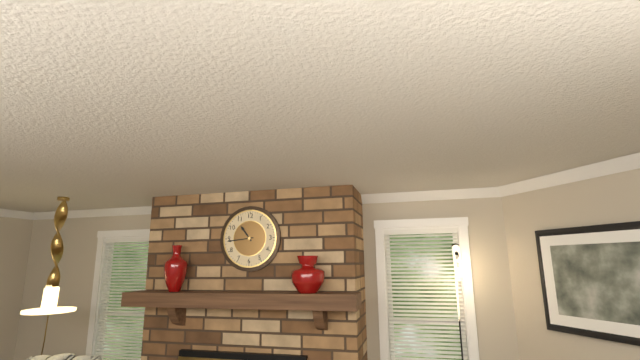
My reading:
{"hour": 10, "minute": 44}
